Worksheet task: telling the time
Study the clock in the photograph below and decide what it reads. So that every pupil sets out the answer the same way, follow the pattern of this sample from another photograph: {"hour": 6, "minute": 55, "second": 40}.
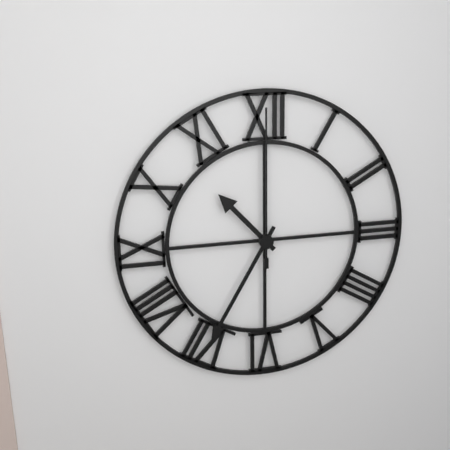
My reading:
{"hour": 10, "minute": 35, "second": 0}
